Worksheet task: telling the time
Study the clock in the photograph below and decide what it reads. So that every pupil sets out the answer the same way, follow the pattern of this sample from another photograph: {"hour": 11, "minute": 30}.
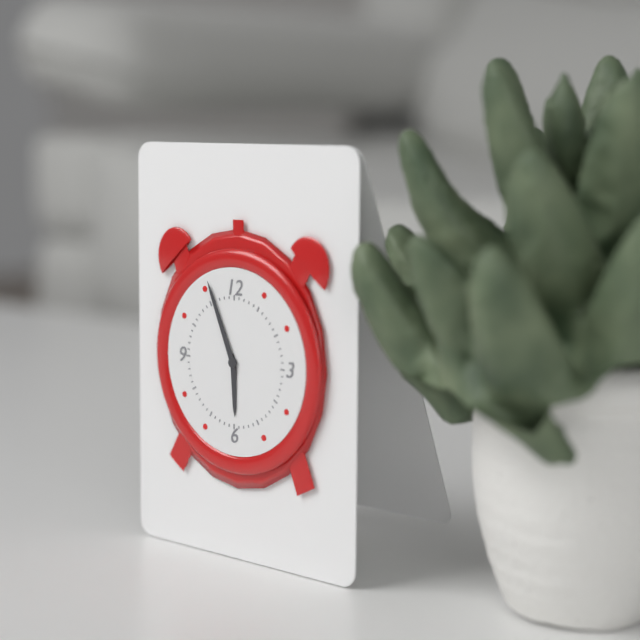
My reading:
{"hour": 5, "minute": 56}
